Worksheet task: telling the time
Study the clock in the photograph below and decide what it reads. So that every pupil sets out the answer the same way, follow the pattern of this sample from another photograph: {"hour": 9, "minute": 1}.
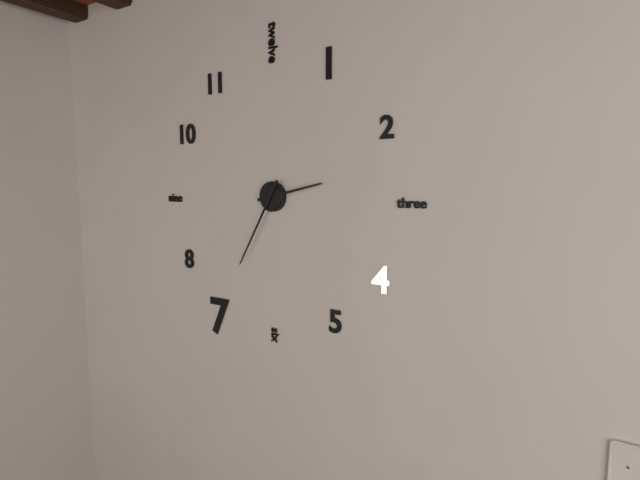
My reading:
{"hour": 2, "minute": 35}
